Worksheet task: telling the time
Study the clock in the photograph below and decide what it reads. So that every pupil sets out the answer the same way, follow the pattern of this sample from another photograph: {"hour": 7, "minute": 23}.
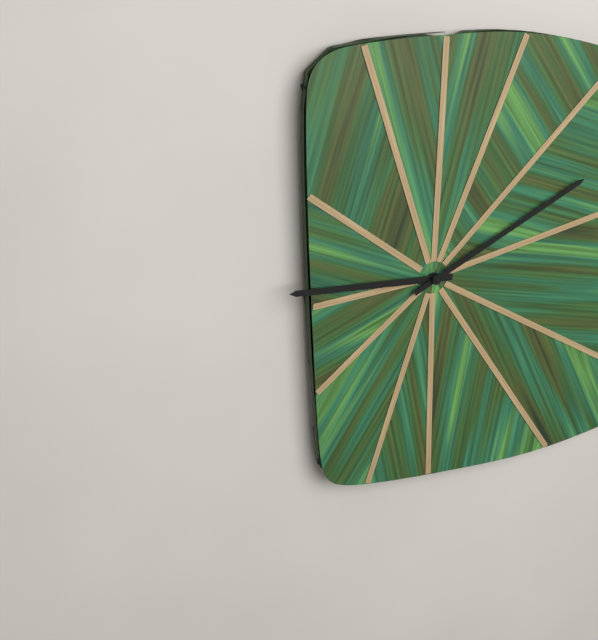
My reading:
{"hour": 9, "minute": 11}
